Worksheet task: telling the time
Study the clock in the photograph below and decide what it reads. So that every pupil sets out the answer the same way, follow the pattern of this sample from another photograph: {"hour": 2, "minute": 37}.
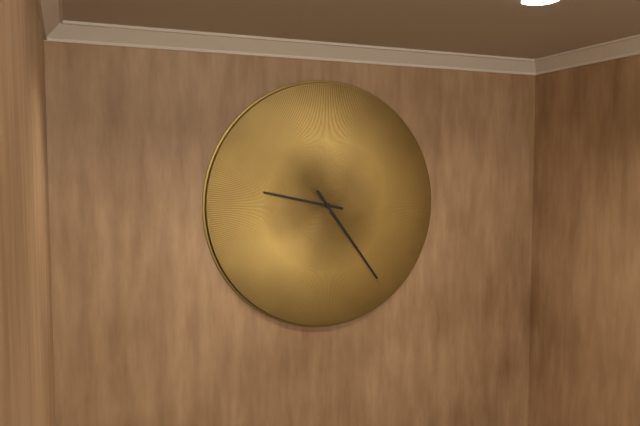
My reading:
{"hour": 9, "minute": 24}
